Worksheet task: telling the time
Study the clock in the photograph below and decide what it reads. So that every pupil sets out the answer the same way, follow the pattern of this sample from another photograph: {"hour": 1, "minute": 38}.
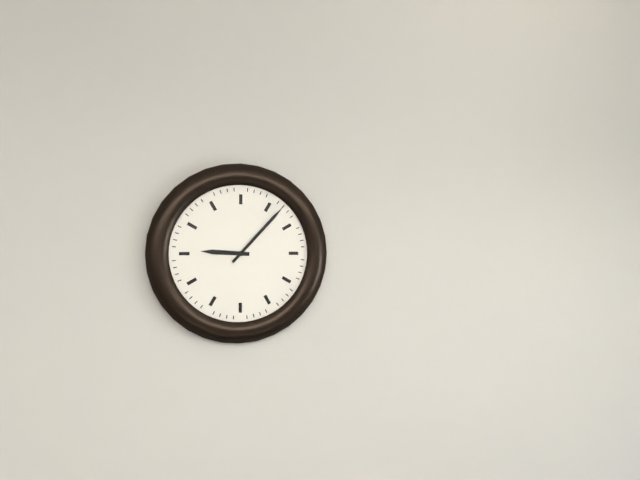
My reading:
{"hour": 9, "minute": 7}
